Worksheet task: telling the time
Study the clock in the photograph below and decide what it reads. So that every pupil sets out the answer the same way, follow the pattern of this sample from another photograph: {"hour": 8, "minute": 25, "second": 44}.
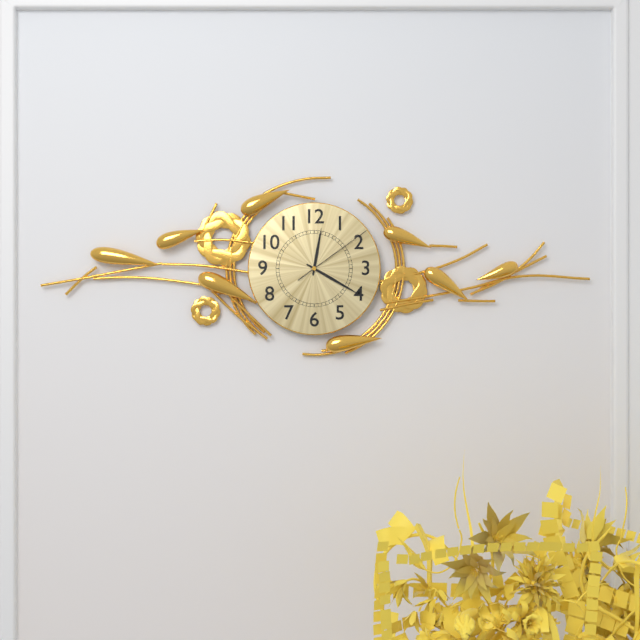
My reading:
{"hour": 12, "minute": 20, "second": 9}
